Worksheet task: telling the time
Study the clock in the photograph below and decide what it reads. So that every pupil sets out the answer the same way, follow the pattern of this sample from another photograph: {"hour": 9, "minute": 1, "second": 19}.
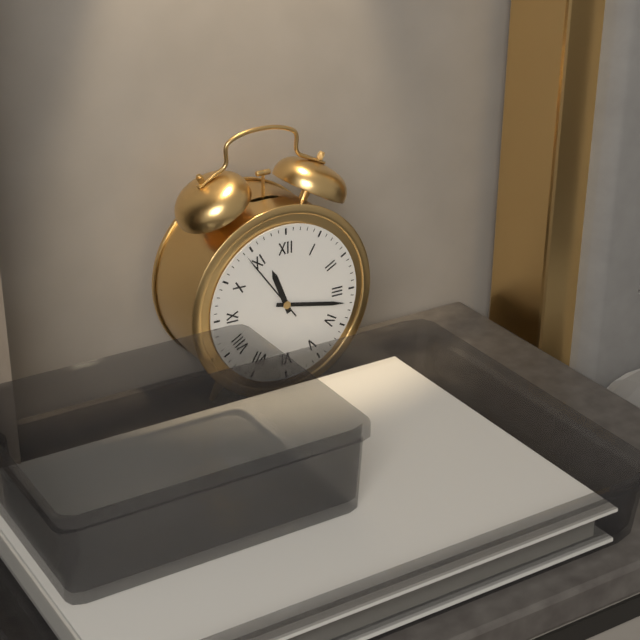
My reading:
{"hour": 11, "minute": 17, "second": 54}
